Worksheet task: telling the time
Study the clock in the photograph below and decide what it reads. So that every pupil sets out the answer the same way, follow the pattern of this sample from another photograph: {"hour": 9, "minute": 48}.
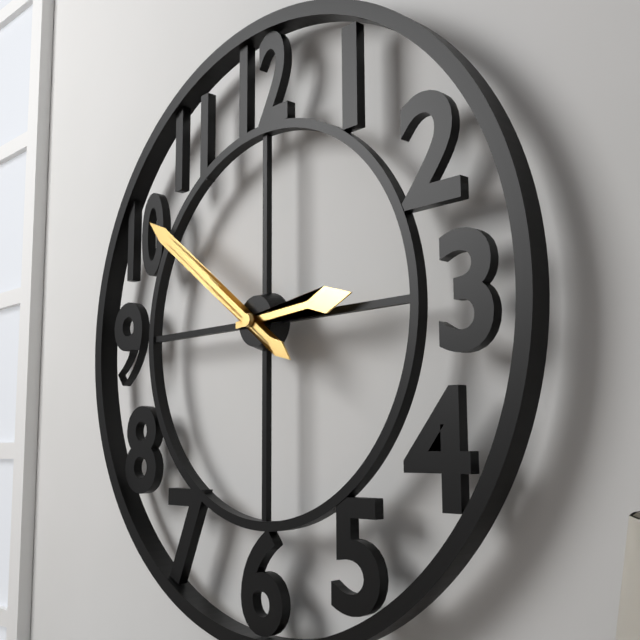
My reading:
{"hour": 2, "minute": 51}
